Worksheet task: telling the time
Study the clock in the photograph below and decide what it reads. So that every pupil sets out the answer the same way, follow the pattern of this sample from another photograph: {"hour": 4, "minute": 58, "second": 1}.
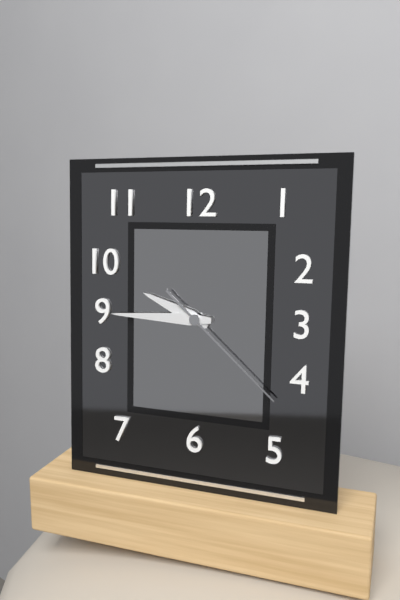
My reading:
{"hour": 9, "minute": 45, "second": 22}
